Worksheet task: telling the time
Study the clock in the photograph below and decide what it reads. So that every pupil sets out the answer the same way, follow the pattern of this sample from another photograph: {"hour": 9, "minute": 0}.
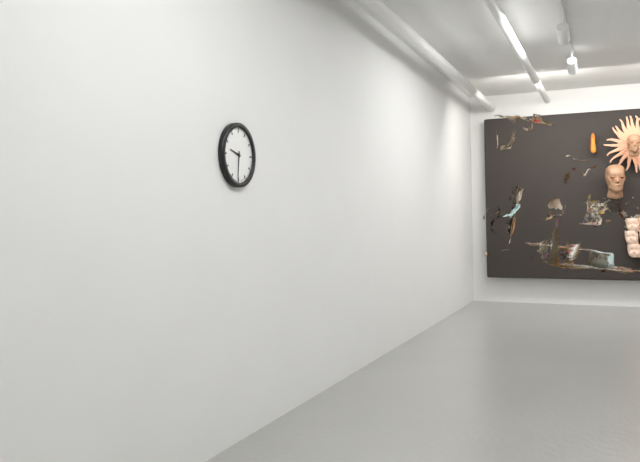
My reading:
{"hour": 9, "minute": 31}
